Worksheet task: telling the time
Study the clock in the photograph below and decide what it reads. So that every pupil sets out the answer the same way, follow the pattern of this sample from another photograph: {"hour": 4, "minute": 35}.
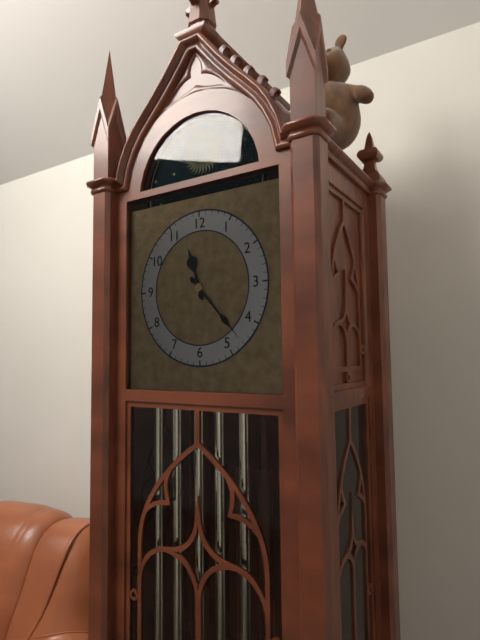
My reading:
{"hour": 11, "minute": 23}
